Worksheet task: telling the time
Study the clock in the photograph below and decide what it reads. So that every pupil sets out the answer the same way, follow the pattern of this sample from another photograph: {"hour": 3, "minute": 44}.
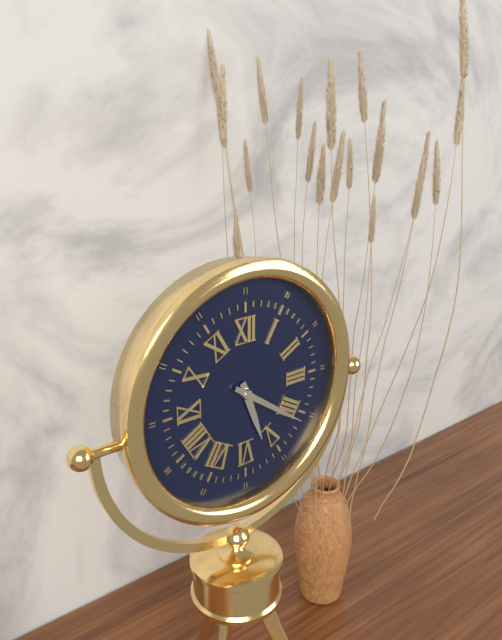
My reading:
{"hour": 5, "minute": 21}
